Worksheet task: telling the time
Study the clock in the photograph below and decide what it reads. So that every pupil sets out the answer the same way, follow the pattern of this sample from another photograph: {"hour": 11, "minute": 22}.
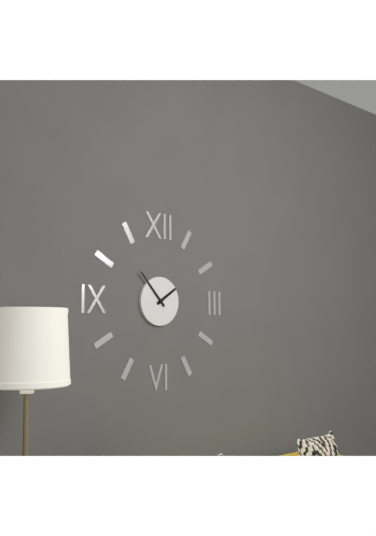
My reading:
{"hour": 1, "minute": 53}
